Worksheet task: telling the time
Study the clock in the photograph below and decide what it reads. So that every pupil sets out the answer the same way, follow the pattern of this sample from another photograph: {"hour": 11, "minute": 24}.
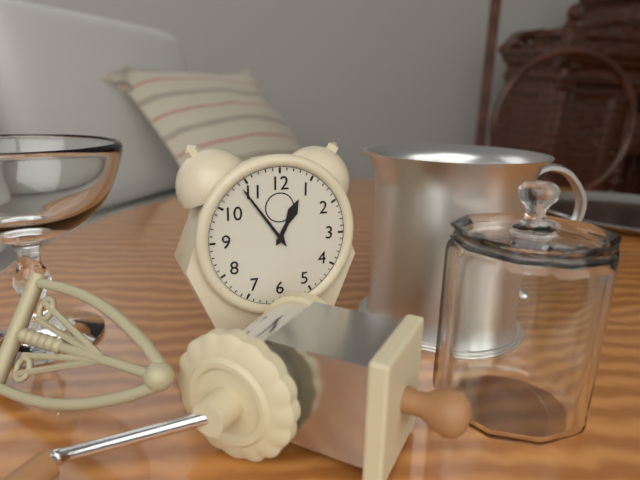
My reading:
{"hour": 12, "minute": 54}
